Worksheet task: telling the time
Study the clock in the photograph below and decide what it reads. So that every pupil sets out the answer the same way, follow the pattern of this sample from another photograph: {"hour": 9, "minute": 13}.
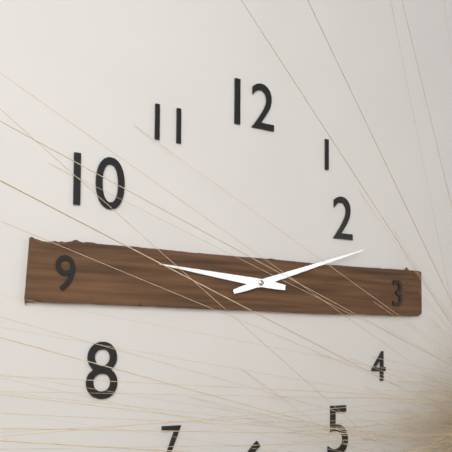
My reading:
{"hour": 9, "minute": 12}
